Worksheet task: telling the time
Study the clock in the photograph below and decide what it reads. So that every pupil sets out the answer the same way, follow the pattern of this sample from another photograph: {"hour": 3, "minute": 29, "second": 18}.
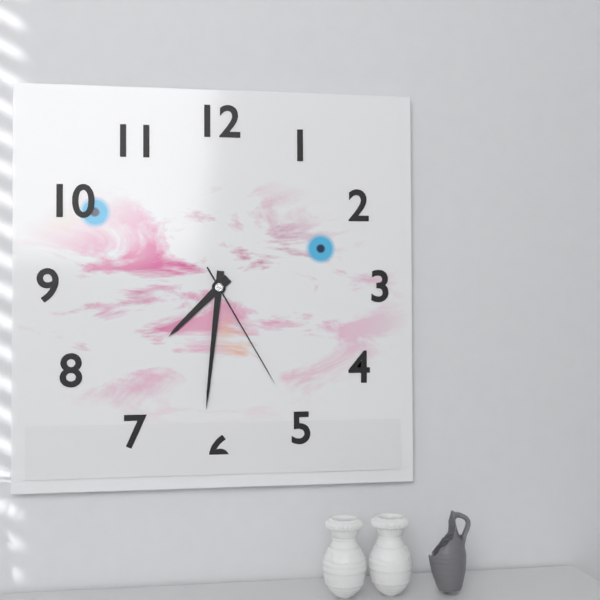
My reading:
{"hour": 7, "minute": 31, "second": 25}
